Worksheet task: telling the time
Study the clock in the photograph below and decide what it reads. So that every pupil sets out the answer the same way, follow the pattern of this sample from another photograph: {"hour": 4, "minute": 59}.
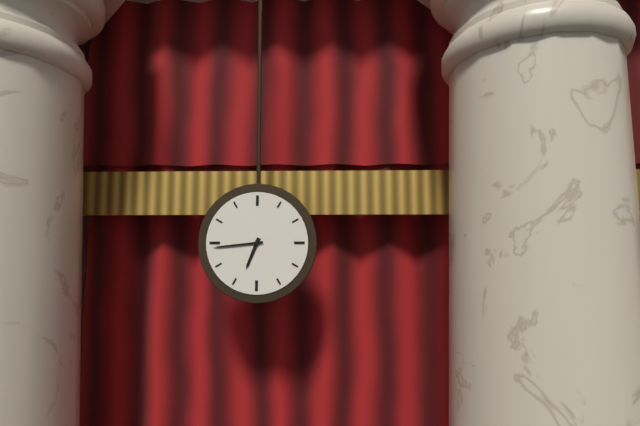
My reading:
{"hour": 6, "minute": 44}
